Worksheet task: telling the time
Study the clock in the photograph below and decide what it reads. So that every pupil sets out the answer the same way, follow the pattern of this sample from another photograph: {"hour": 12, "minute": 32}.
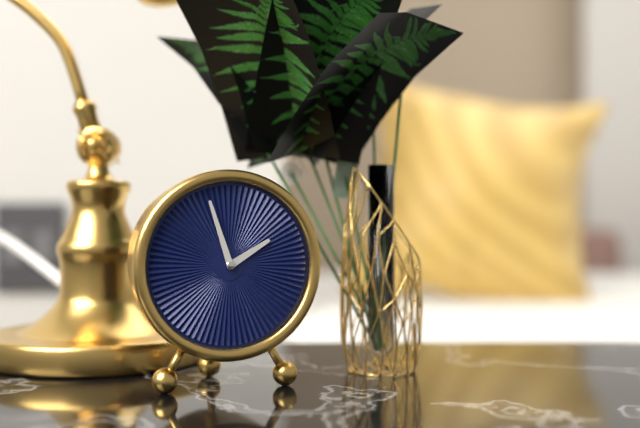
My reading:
{"hour": 1, "minute": 57}
